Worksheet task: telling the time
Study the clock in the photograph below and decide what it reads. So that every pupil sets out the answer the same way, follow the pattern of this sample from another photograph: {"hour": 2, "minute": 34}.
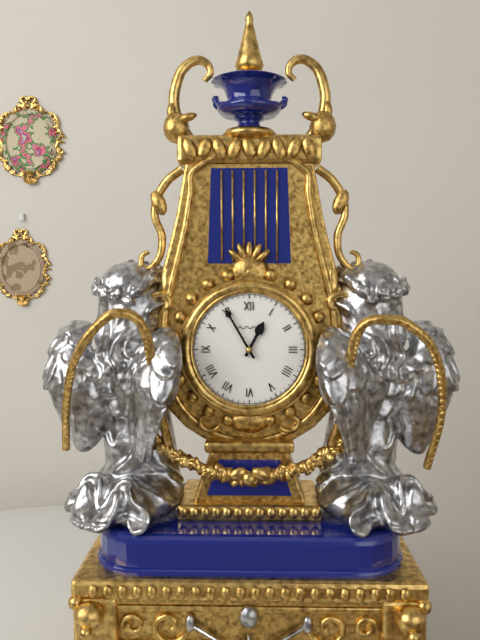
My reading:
{"hour": 12, "minute": 55}
